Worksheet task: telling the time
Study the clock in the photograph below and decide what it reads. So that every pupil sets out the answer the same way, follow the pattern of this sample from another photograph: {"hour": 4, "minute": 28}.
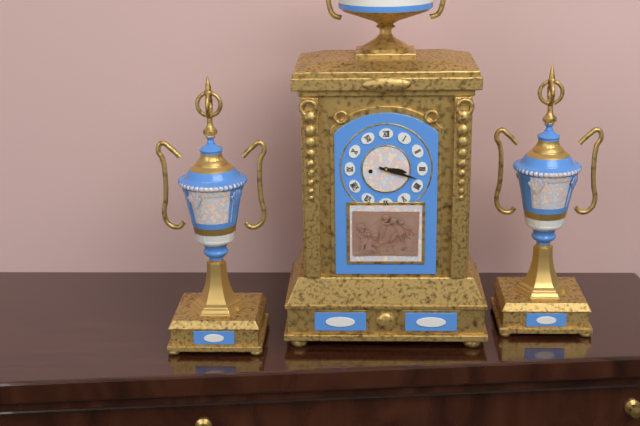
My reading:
{"hour": 3, "minute": 18}
